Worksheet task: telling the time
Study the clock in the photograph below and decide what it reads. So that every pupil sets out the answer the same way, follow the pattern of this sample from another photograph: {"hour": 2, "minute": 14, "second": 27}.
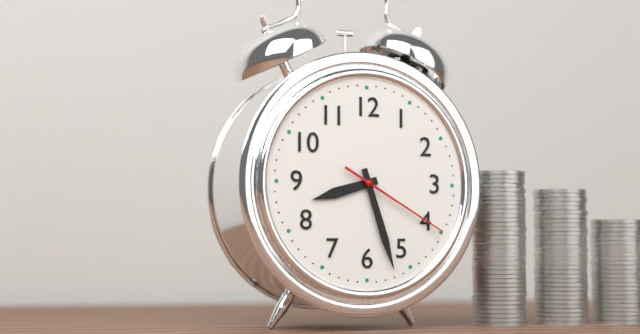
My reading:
{"hour": 8, "minute": 27, "second": 20}
